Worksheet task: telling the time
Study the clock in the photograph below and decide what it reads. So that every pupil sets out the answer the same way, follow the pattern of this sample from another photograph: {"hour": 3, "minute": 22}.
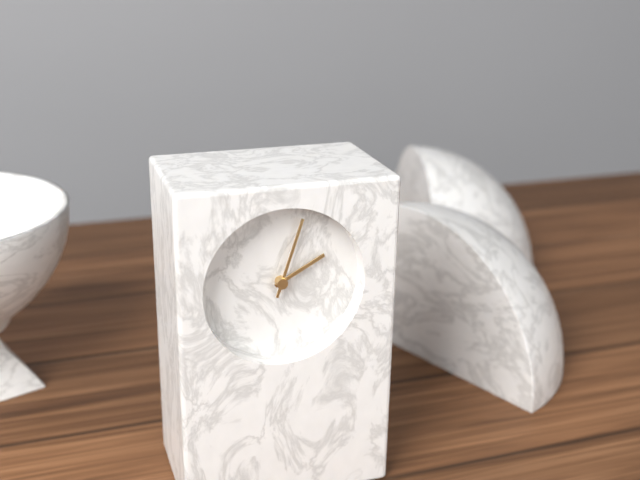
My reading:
{"hour": 2, "minute": 3}
